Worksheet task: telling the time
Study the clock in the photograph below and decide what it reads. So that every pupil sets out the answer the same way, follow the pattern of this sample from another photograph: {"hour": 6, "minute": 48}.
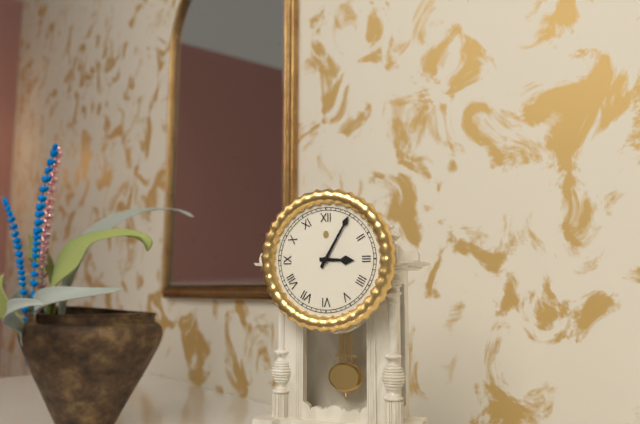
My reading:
{"hour": 3, "minute": 5}
